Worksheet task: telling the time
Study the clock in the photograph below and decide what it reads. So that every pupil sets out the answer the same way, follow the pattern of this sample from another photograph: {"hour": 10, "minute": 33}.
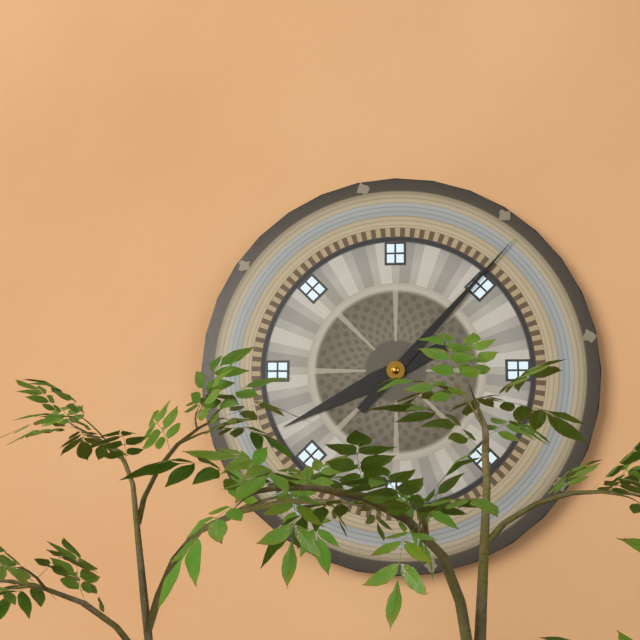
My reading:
{"hour": 8, "minute": 7}
